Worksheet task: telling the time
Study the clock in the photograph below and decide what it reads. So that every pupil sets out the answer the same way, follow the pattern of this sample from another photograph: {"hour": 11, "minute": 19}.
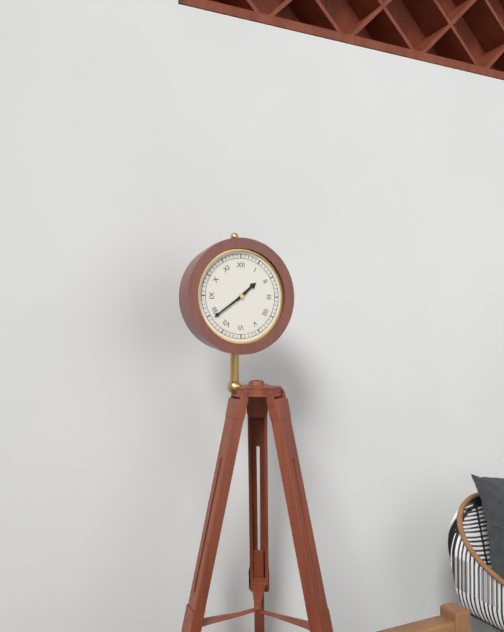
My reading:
{"hour": 1, "minute": 39}
